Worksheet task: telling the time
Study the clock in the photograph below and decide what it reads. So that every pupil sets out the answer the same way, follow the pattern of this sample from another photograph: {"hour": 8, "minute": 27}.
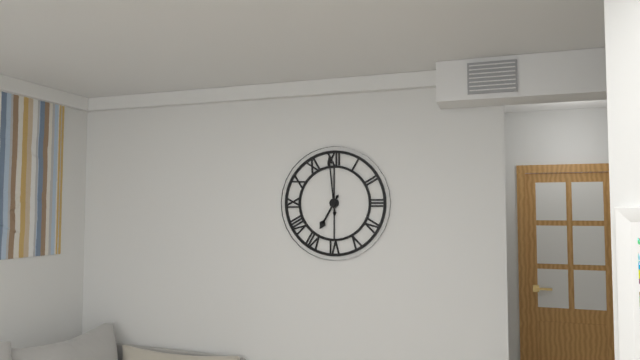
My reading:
{"hour": 6, "minute": 59}
